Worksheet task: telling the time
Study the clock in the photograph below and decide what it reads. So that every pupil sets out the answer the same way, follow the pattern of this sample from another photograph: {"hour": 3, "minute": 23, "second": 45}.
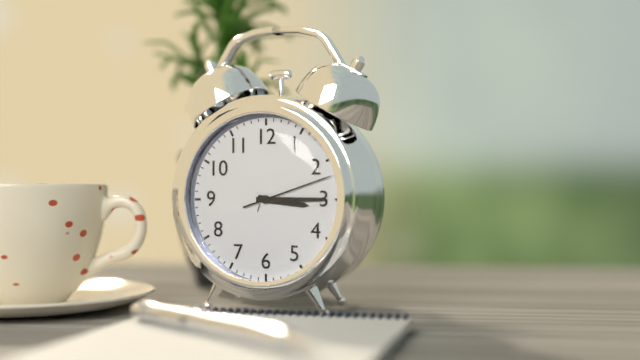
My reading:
{"hour": 3, "minute": 15, "second": 12}
